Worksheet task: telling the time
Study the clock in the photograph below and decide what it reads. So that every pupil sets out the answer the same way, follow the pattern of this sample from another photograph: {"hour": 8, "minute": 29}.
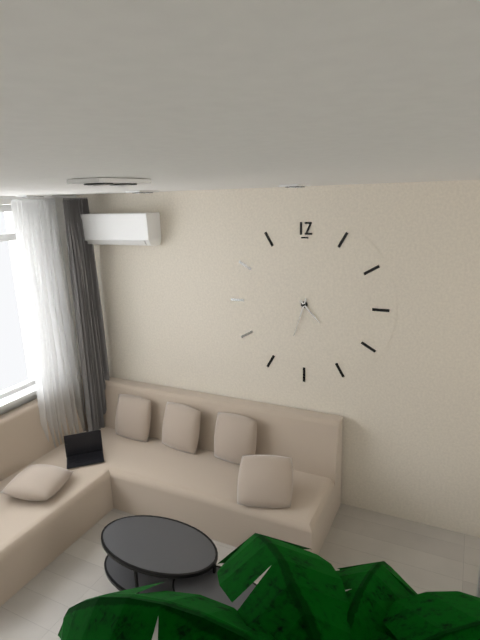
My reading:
{"hour": 4, "minute": 33}
